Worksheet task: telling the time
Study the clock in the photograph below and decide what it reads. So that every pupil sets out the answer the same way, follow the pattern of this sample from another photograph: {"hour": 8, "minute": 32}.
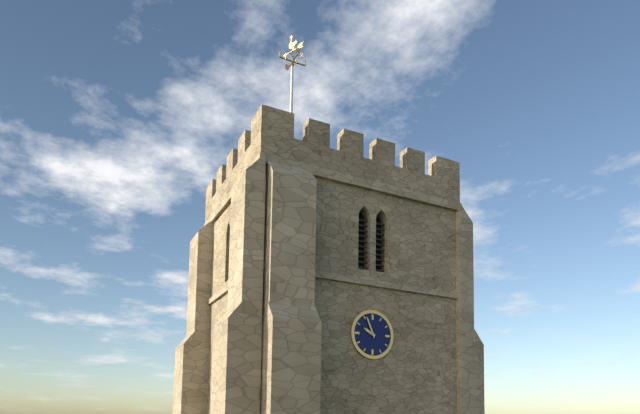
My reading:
{"hour": 9, "minute": 56}
